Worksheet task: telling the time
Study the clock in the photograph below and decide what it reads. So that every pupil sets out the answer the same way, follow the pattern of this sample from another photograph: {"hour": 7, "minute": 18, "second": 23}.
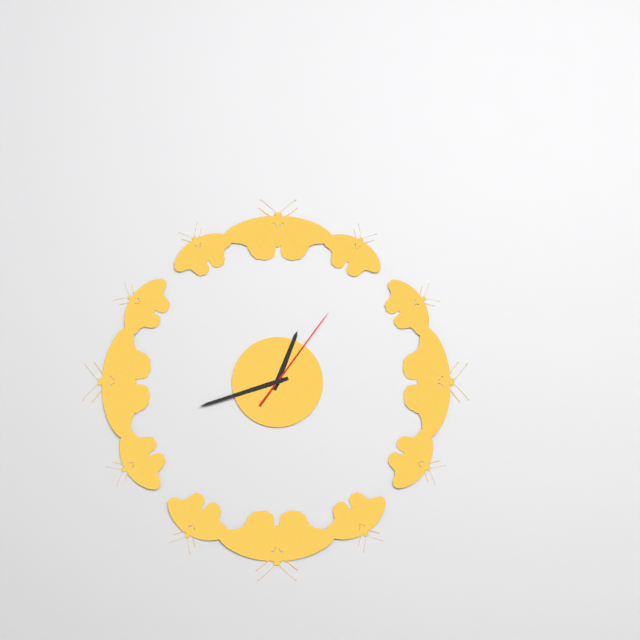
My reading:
{"hour": 12, "minute": 42, "second": 6}
